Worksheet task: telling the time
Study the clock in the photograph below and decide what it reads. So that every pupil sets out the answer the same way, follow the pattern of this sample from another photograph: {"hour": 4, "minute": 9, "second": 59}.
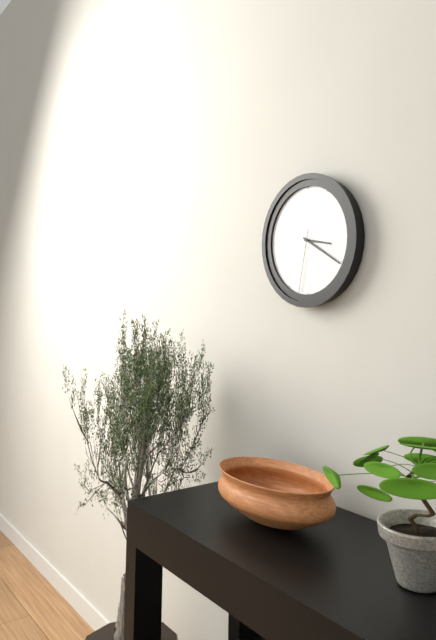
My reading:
{"hour": 3, "minute": 20, "second": 32}
